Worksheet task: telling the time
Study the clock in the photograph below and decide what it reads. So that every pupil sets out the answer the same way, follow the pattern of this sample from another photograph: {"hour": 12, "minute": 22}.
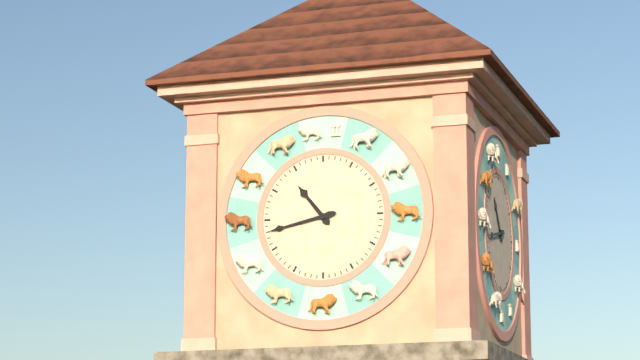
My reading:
{"hour": 10, "minute": 43}
